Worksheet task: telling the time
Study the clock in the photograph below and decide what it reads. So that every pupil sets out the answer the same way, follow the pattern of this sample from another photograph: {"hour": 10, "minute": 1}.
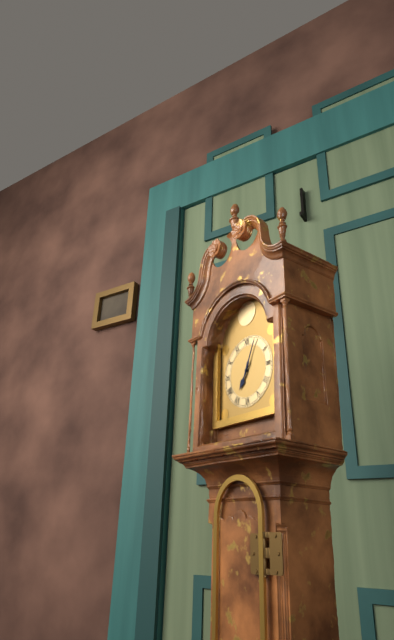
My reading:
{"hour": 7, "minute": 4}
